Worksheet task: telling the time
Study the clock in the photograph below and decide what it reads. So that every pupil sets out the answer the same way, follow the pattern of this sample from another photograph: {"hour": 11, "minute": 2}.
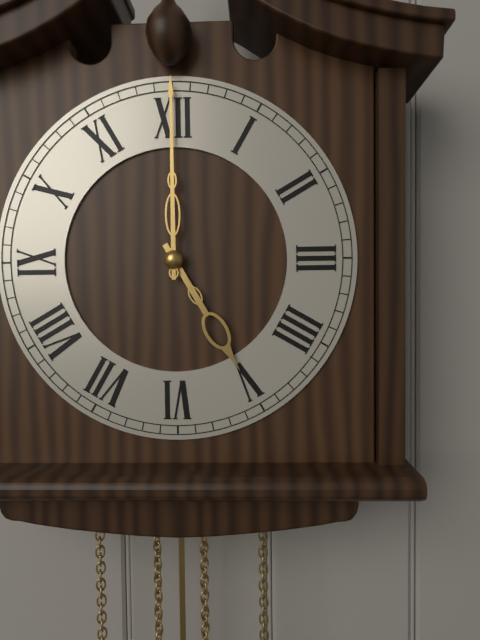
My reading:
{"hour": 5, "minute": 0}
